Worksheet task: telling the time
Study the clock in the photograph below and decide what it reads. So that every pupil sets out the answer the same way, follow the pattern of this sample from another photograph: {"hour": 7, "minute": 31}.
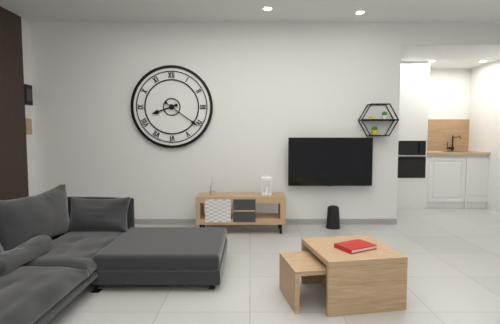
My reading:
{"hour": 8, "minute": 21}
